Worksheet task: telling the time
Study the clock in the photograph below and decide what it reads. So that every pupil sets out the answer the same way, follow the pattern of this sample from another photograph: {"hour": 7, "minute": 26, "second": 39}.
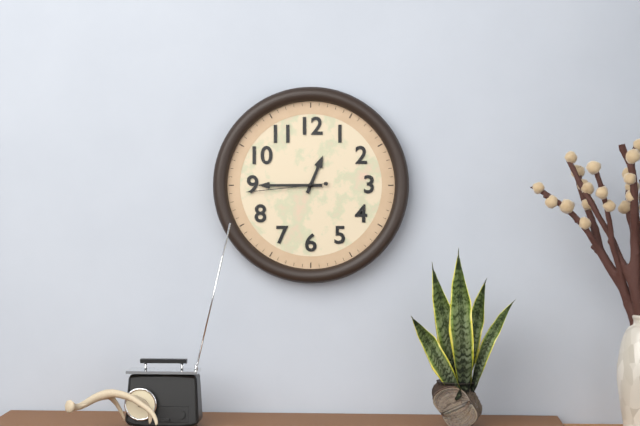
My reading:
{"hour": 12, "minute": 45, "second": 44}
